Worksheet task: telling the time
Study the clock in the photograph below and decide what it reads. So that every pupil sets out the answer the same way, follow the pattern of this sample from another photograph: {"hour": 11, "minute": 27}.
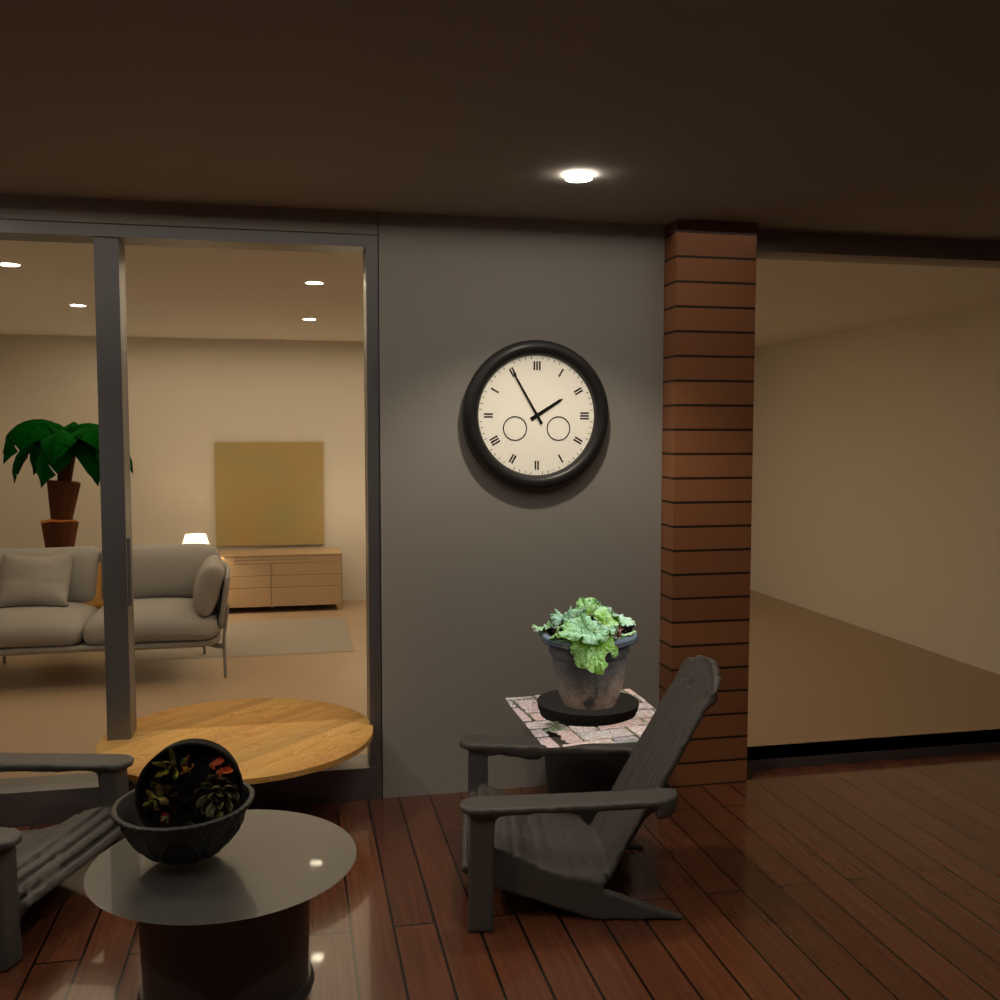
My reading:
{"hour": 1, "minute": 55}
